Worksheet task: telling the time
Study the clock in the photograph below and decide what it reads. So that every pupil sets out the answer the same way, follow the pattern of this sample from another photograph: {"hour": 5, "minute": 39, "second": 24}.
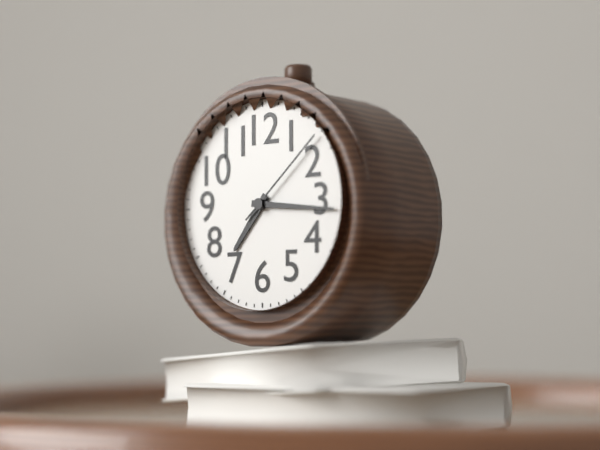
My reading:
{"hour": 7, "minute": 16, "second": 8}
